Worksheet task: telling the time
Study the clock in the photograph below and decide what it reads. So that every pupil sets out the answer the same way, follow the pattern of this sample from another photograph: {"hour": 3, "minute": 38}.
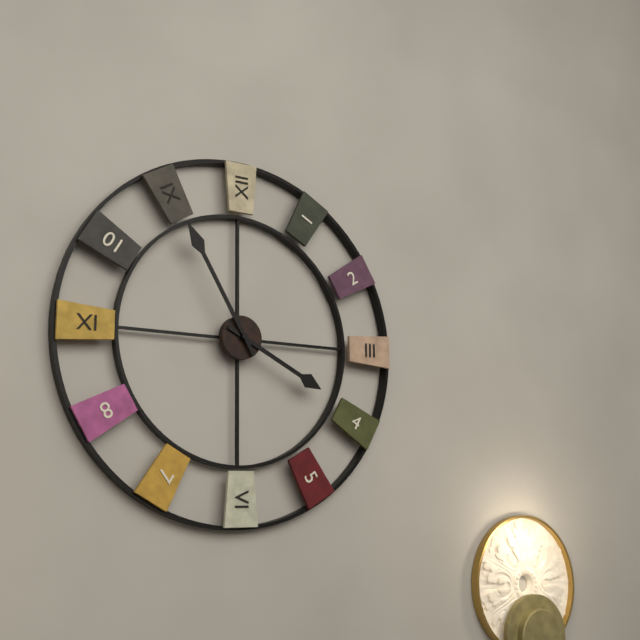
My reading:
{"hour": 3, "minute": 55}
